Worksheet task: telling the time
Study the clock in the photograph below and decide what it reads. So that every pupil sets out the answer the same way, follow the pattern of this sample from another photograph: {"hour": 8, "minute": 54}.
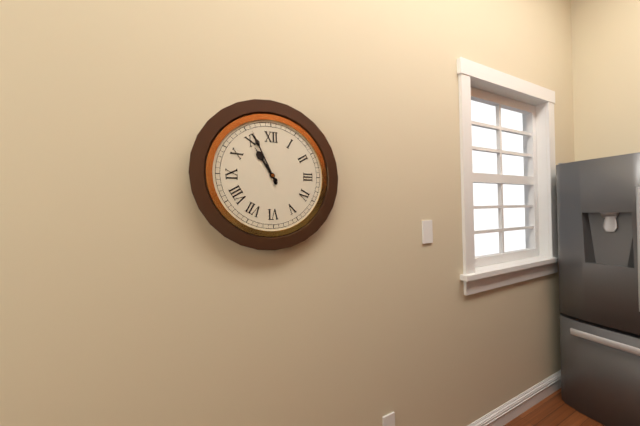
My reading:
{"hour": 10, "minute": 56}
